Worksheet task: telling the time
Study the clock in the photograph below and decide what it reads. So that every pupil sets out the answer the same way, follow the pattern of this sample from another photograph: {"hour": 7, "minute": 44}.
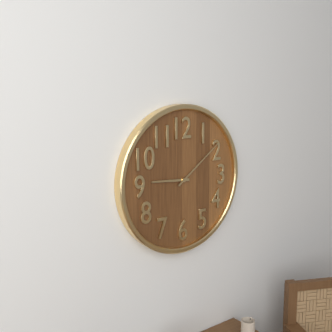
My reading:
{"hour": 9, "minute": 9}
